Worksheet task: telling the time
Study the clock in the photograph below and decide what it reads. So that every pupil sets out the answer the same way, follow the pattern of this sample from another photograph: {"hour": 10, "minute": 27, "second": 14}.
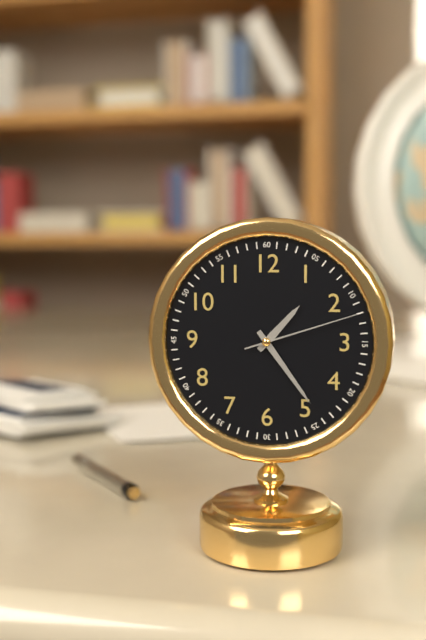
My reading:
{"hour": 1, "minute": 24, "second": 12}
